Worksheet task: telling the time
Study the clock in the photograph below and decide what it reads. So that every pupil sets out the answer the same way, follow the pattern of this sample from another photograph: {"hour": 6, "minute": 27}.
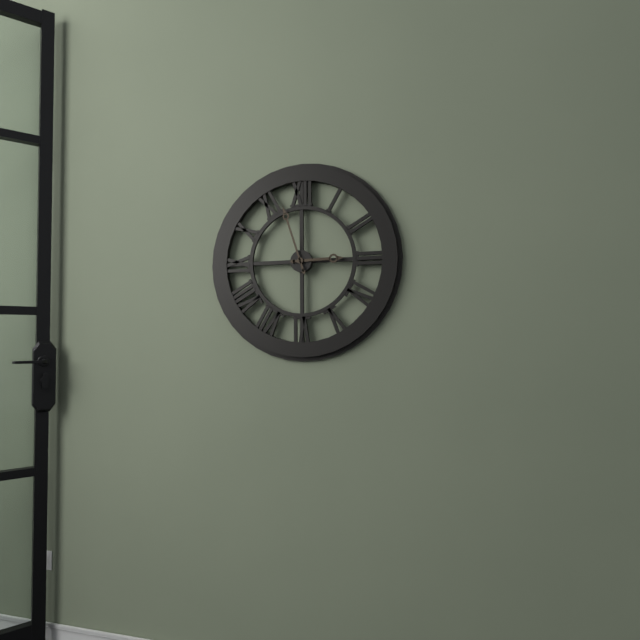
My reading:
{"hour": 2, "minute": 57}
